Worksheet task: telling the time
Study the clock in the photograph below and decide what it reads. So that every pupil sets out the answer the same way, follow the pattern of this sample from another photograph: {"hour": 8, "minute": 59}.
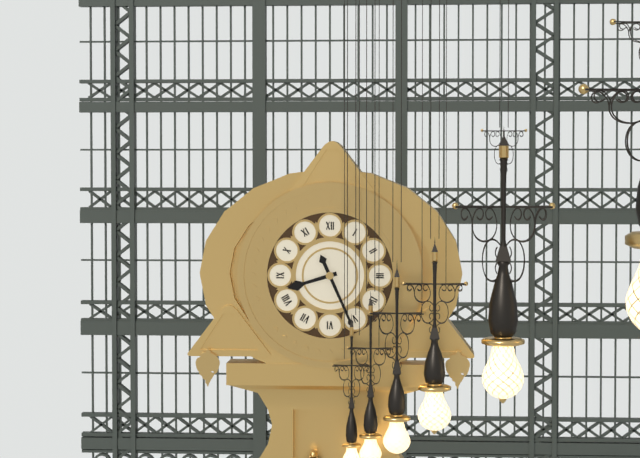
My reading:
{"hour": 8, "minute": 26}
